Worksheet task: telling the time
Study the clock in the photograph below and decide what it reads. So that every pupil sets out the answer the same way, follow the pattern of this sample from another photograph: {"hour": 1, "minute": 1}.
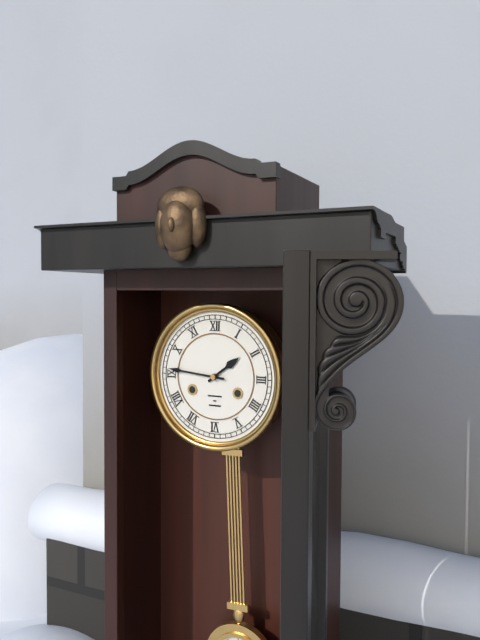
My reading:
{"hour": 1, "minute": 46}
